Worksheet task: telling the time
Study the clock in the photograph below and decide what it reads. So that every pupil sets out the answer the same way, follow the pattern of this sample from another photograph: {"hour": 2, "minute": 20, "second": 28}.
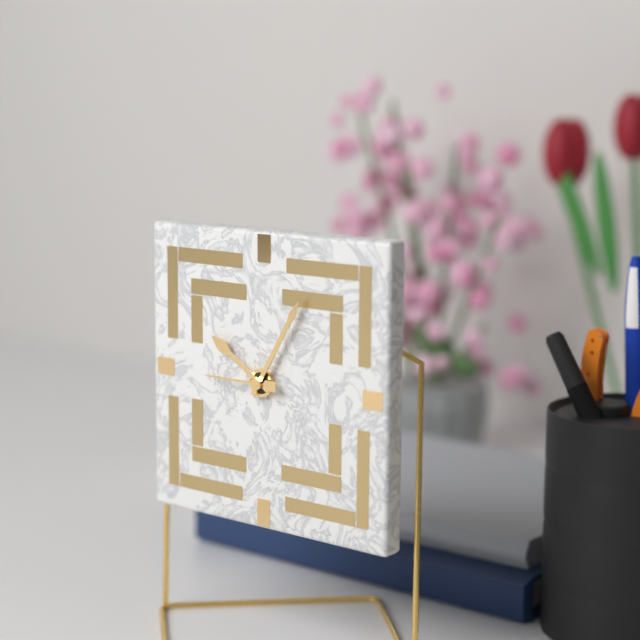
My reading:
{"hour": 10, "minute": 5, "second": 45}
